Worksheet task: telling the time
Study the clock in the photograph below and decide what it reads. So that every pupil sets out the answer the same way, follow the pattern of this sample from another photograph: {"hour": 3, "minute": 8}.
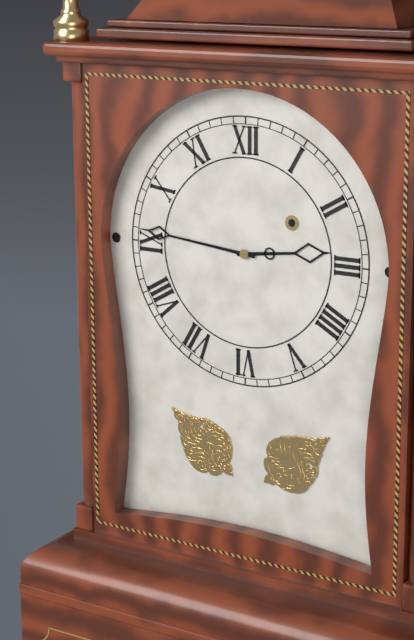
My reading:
{"hour": 2, "minute": 46}
